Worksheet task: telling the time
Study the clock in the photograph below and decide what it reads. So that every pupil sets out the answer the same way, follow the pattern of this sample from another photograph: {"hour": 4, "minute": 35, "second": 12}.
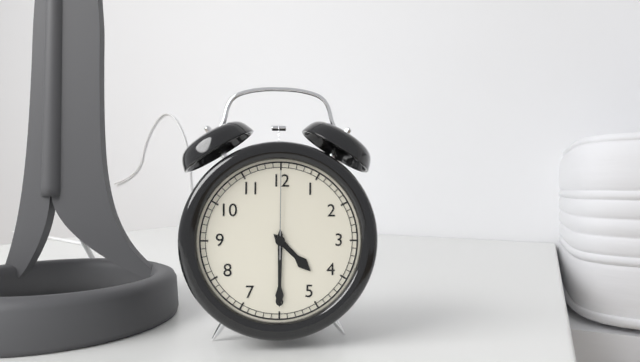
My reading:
{"hour": 4, "minute": 30, "second": 0}
